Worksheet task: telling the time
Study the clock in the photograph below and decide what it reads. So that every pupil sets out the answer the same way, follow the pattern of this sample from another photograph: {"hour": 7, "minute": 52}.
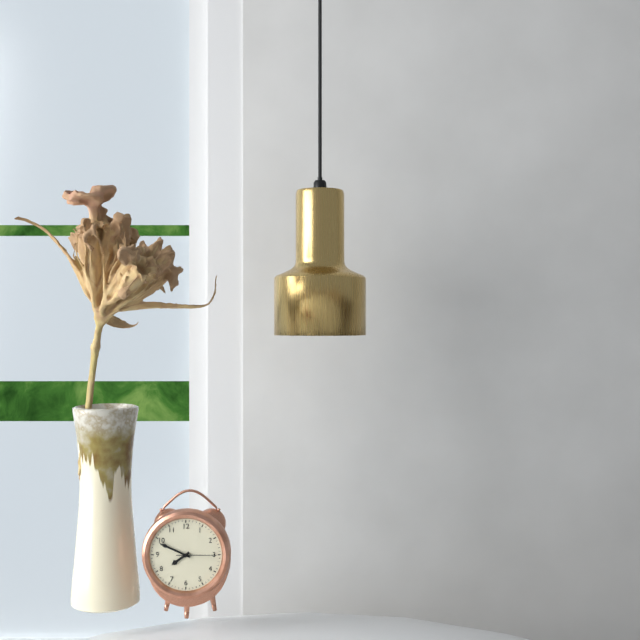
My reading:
{"hour": 7, "minute": 49}
